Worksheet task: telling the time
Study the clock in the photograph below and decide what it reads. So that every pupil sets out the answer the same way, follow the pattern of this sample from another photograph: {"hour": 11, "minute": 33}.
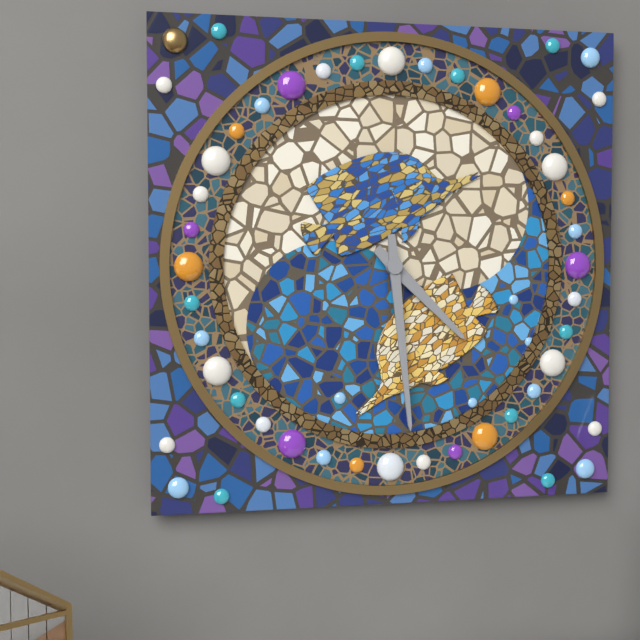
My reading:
{"hour": 4, "minute": 29}
